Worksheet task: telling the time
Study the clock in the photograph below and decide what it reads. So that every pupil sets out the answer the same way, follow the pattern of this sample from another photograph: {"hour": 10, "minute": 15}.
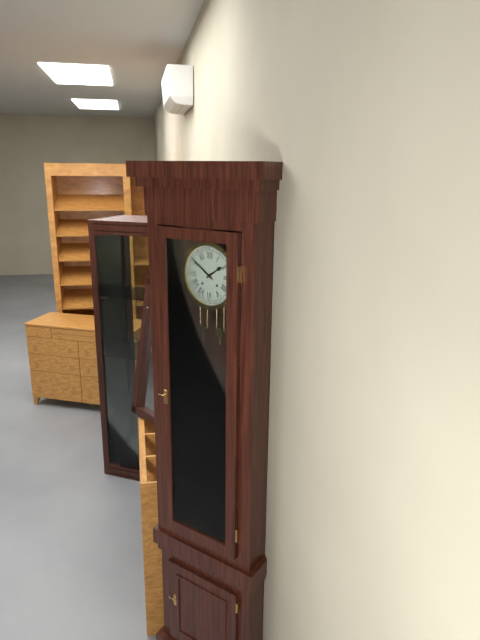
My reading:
{"hour": 1, "minute": 51}
